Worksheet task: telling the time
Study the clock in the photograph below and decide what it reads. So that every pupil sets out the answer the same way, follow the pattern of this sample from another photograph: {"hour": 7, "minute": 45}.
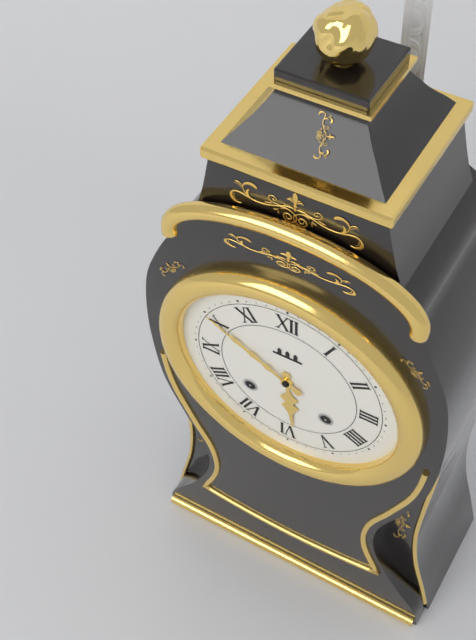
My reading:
{"hour": 5, "minute": 50}
